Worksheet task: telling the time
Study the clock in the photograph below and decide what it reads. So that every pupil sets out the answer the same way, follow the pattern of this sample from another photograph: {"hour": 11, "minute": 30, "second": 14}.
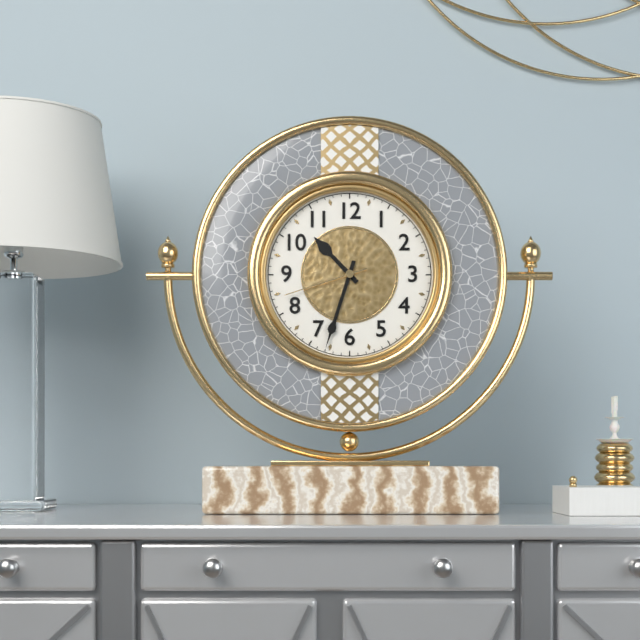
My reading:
{"hour": 10, "minute": 33, "second": 42}
